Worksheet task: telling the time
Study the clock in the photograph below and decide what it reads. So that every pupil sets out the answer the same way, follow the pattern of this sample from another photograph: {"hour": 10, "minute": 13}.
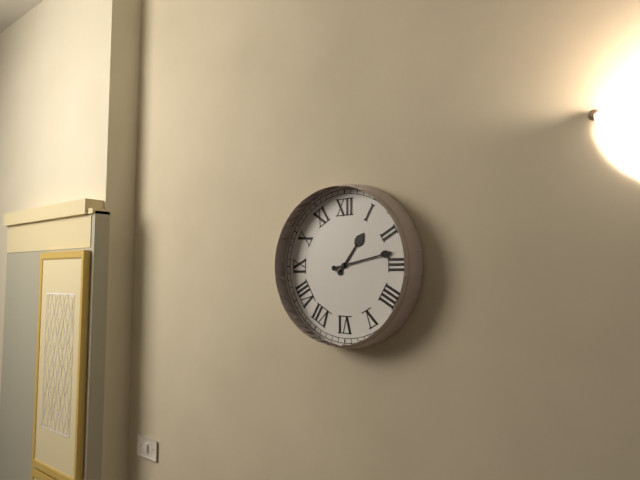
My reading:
{"hour": 1, "minute": 13}
